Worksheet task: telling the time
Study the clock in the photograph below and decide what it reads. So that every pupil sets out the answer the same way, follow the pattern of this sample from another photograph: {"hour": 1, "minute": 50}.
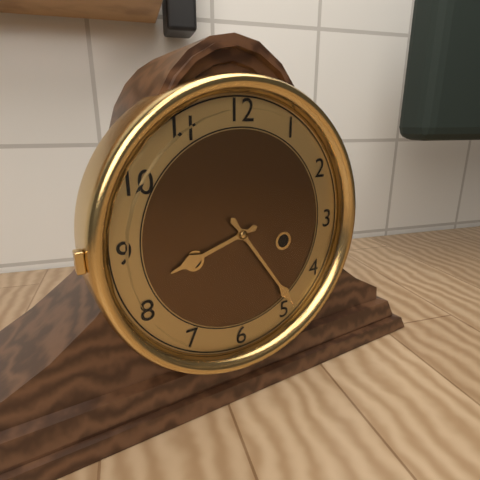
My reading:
{"hour": 8, "minute": 24}
